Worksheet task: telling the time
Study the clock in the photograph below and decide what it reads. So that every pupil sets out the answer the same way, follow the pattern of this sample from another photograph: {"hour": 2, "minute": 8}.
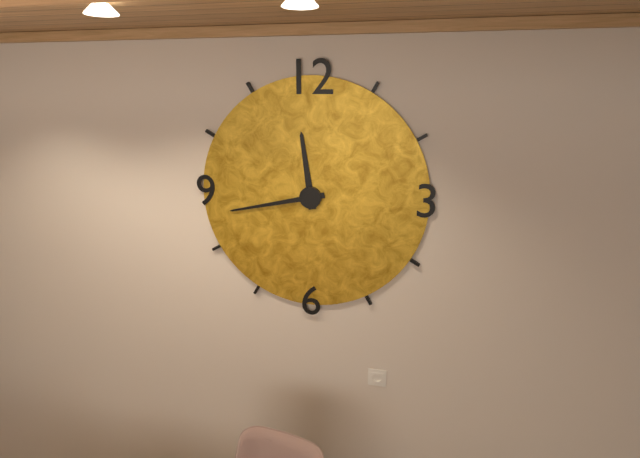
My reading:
{"hour": 11, "minute": 43}
